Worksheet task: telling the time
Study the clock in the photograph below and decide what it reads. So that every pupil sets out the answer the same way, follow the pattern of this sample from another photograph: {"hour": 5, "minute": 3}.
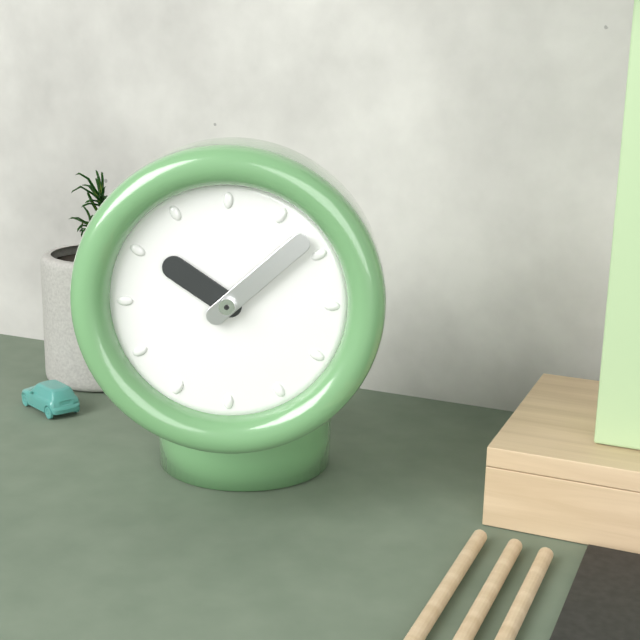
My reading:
{"hour": 10, "minute": 8}
